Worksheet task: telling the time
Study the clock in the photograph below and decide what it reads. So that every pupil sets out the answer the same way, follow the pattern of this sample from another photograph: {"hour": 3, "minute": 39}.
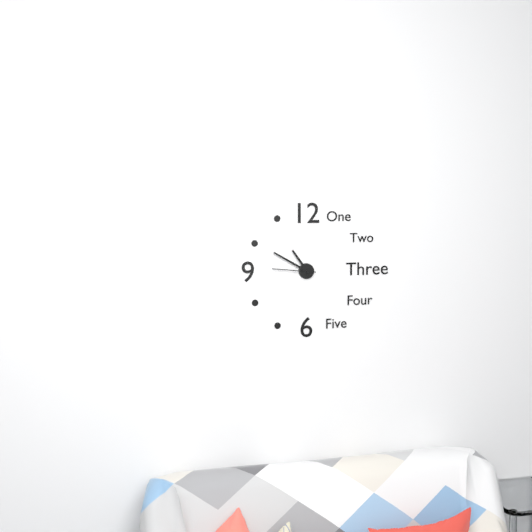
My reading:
{"hour": 10, "minute": 50}
